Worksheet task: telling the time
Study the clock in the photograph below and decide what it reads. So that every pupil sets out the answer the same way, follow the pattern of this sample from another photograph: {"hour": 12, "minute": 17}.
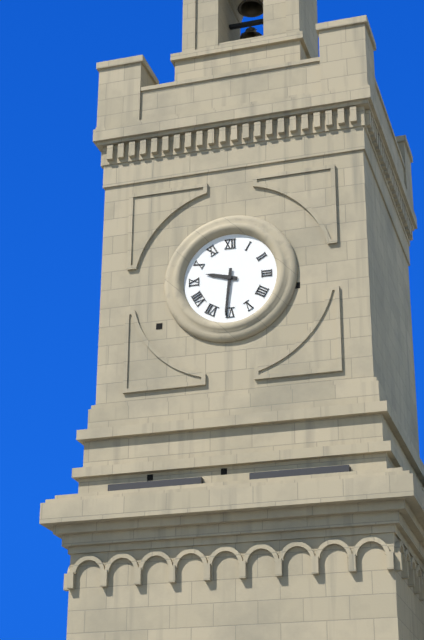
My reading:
{"hour": 9, "minute": 31}
